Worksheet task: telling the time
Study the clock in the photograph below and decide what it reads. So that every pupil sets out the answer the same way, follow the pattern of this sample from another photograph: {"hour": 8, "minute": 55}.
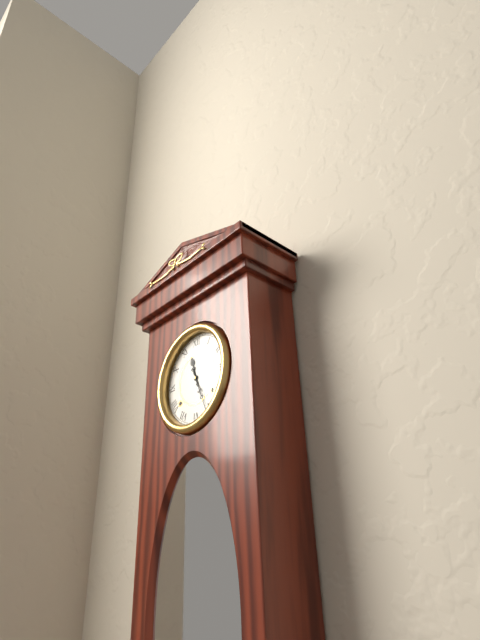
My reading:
{"hour": 11, "minute": 26}
